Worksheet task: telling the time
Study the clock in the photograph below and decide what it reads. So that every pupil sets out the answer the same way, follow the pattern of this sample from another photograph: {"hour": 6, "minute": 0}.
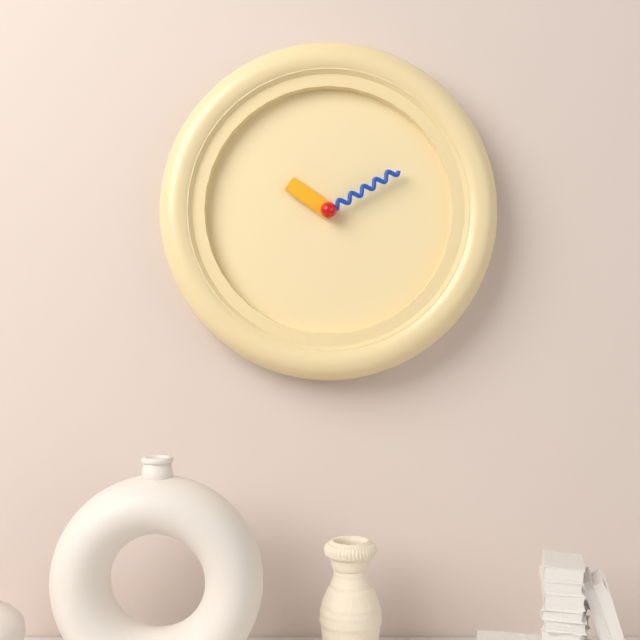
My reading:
{"hour": 10, "minute": 10}
